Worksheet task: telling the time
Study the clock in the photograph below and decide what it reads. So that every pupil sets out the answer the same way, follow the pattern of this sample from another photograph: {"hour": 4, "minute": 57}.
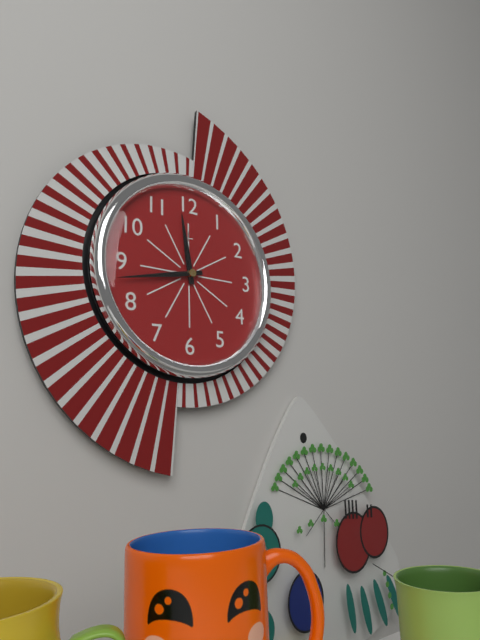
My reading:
{"hour": 11, "minute": 43}
